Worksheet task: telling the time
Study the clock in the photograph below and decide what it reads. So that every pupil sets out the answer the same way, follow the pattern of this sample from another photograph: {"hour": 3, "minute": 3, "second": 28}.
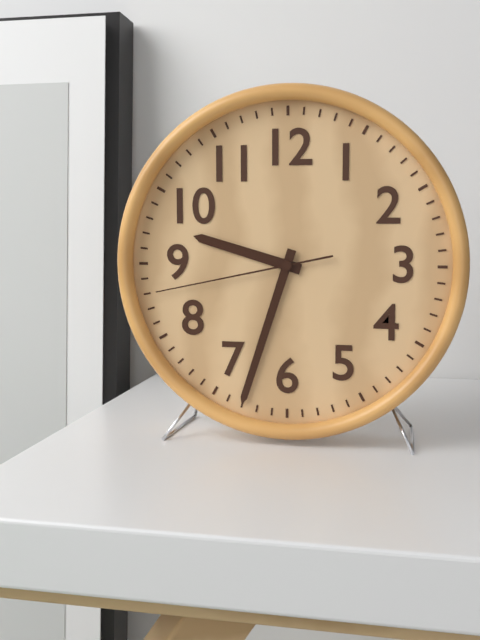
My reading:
{"hour": 9, "minute": 33, "second": 43}
